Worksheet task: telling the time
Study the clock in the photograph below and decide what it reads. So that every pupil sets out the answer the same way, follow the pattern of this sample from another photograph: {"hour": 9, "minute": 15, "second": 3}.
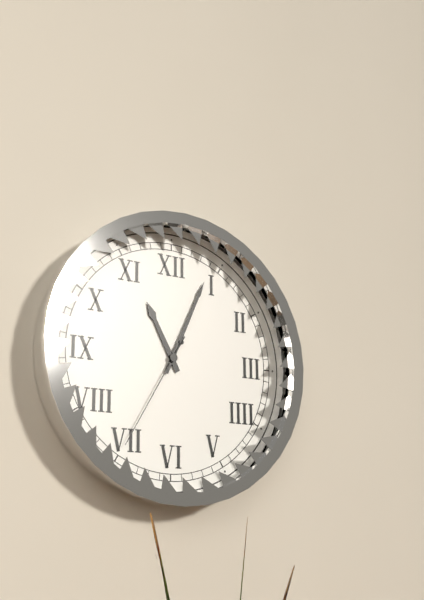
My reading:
{"hour": 11, "minute": 4, "second": 35}
